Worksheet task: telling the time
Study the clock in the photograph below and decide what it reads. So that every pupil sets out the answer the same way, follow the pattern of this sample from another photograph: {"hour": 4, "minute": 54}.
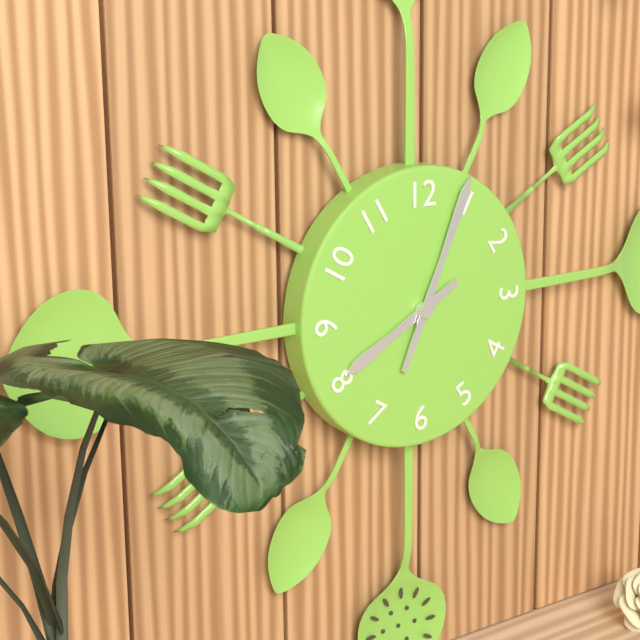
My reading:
{"hour": 8, "minute": 4}
